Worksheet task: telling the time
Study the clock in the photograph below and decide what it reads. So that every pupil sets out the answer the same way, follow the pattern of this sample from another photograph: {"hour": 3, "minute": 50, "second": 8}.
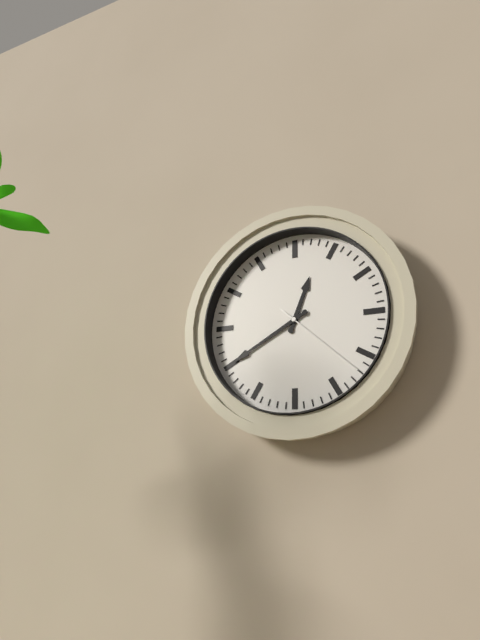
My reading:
{"hour": 12, "minute": 40, "second": 22}
